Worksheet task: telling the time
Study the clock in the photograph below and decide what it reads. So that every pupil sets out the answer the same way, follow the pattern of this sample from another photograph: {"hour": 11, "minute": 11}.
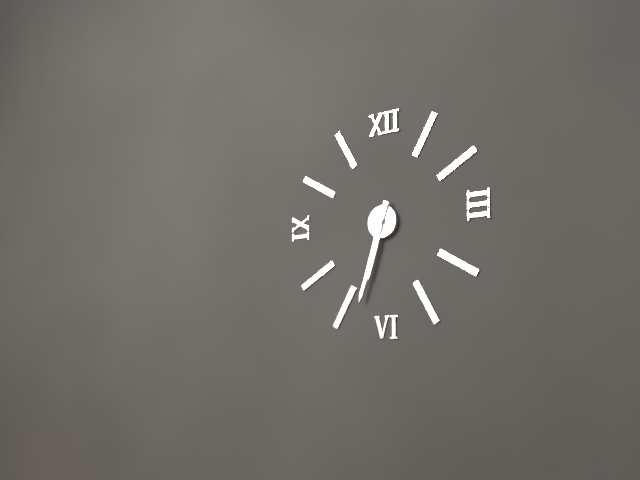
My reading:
{"hour": 6, "minute": 33}
